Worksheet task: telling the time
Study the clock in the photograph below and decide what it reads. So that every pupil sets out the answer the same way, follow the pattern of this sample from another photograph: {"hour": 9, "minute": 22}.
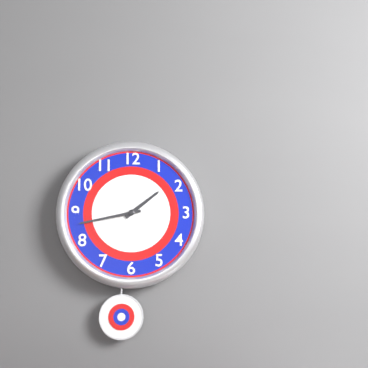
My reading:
{"hour": 1, "minute": 43}
